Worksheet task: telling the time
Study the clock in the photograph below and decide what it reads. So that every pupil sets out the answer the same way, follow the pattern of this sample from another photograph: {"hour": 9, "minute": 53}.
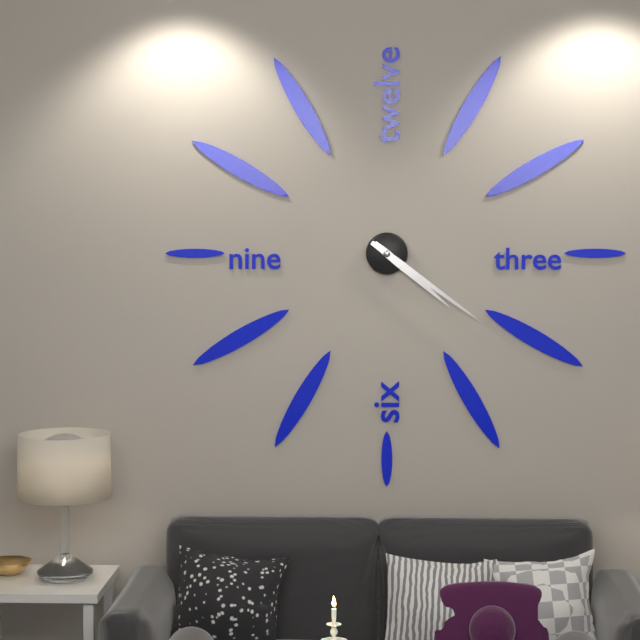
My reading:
{"hour": 4, "minute": 21}
